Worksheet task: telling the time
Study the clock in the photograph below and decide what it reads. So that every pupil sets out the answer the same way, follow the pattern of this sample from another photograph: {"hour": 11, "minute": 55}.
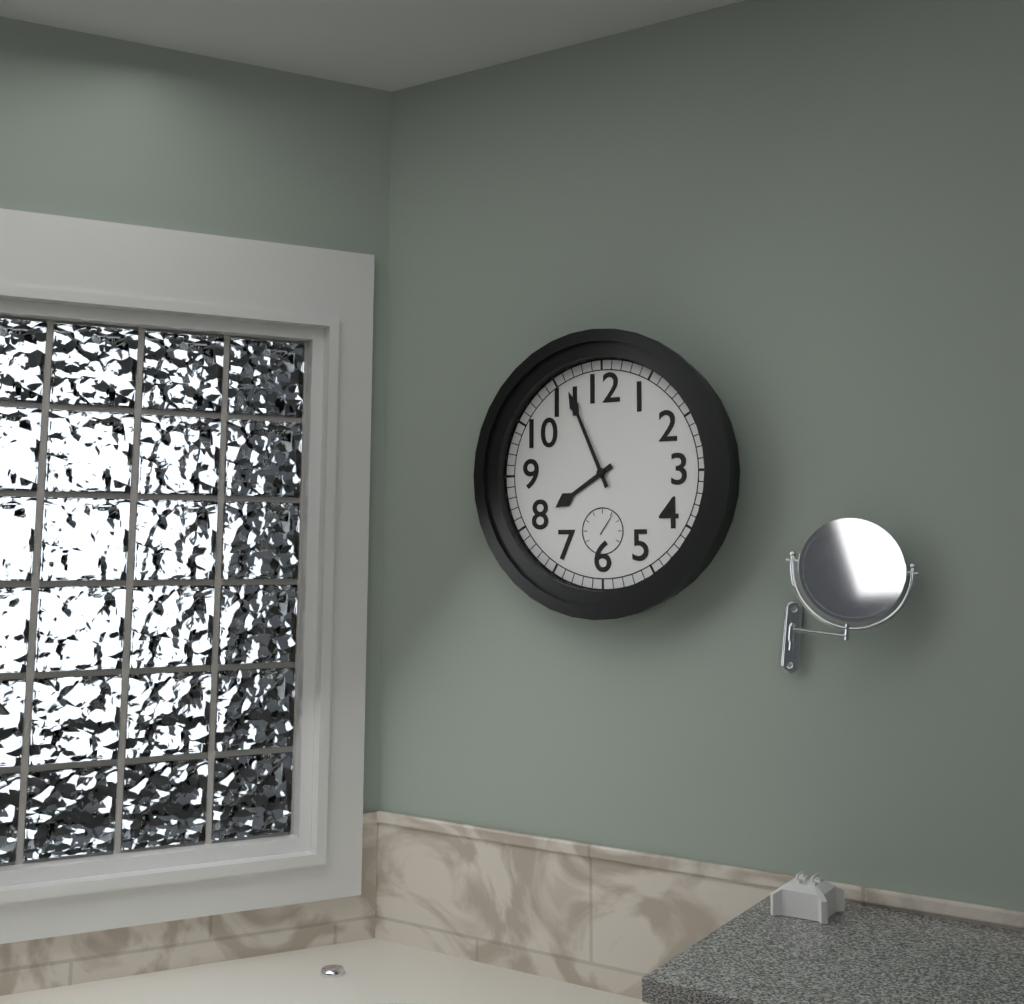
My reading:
{"hour": 7, "minute": 56}
